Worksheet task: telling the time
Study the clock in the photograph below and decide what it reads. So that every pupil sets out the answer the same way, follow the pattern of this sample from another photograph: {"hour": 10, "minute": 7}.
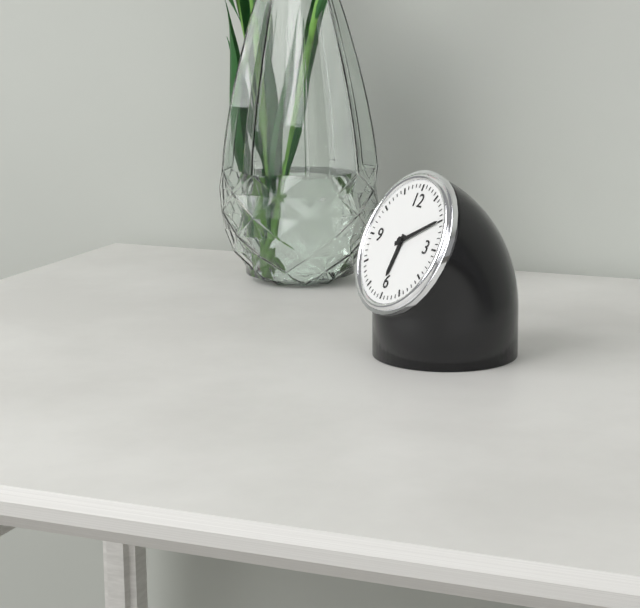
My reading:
{"hour": 6, "minute": 10}
